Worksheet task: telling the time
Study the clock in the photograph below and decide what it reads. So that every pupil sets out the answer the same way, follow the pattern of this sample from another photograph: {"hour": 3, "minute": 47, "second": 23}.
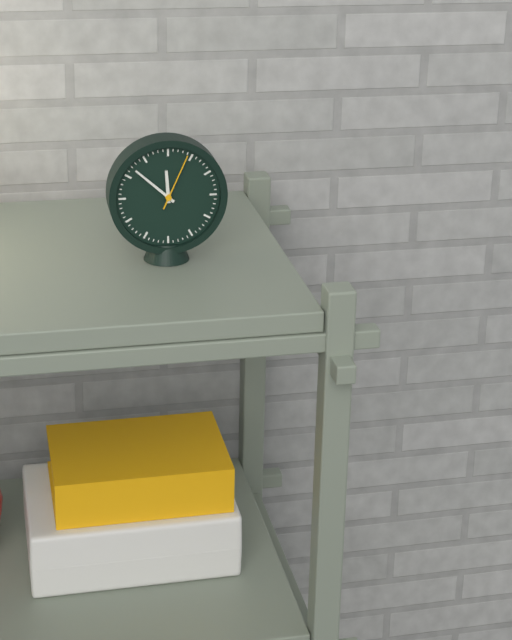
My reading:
{"hour": 11, "minute": 52, "second": 4}
